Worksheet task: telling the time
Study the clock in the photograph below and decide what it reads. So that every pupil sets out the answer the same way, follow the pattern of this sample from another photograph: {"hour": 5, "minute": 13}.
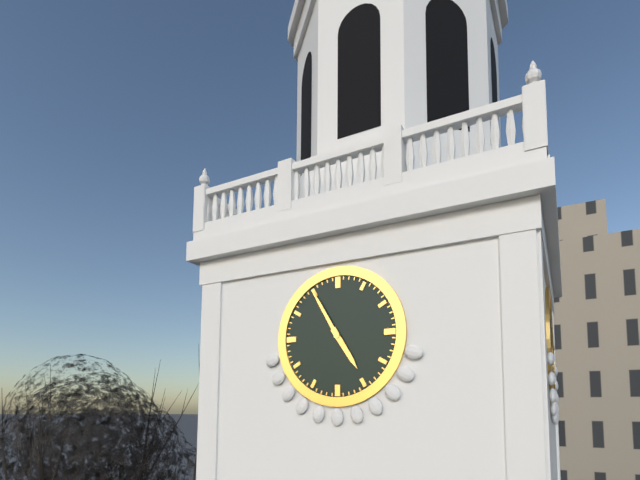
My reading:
{"hour": 4, "minute": 55}
